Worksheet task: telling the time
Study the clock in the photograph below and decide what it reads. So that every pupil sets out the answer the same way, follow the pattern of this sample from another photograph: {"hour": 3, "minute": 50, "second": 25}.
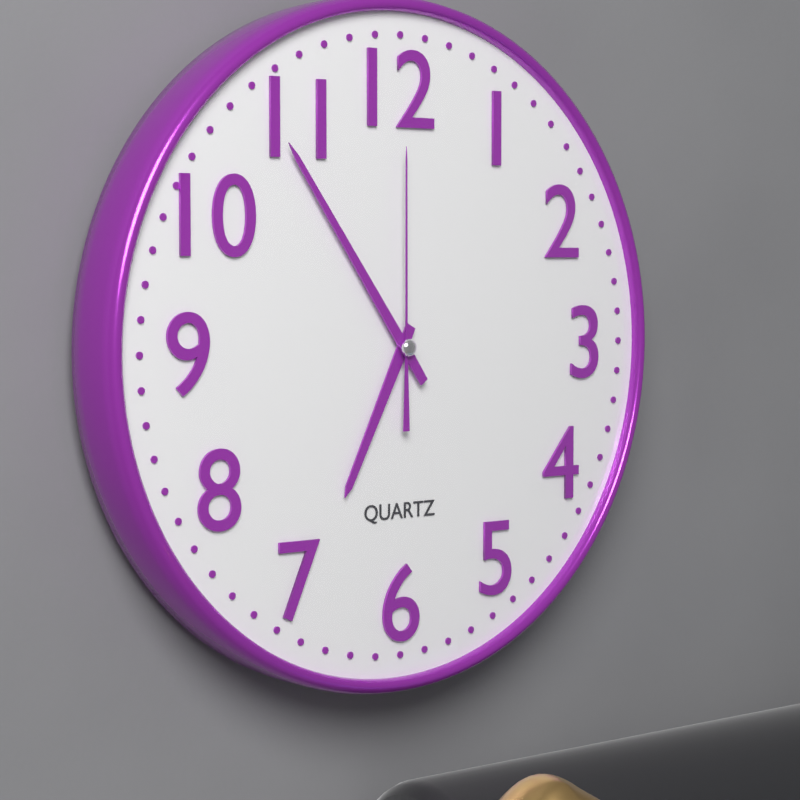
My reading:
{"hour": 6, "minute": 54, "second": 0}
